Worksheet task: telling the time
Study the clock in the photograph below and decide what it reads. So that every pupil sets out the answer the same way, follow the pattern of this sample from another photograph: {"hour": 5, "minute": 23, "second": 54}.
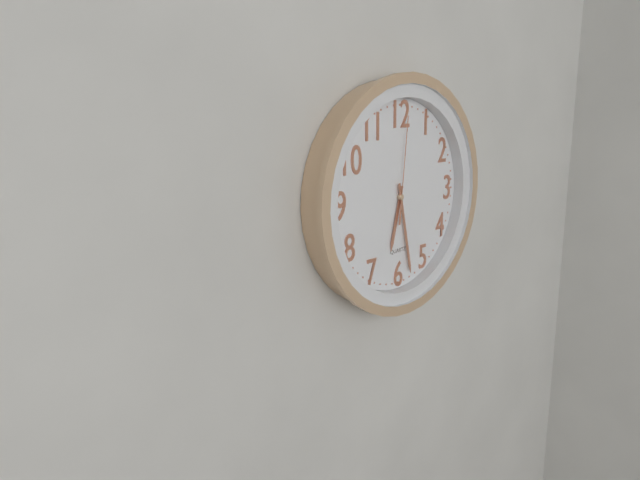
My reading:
{"hour": 6, "minute": 28, "second": 1}
